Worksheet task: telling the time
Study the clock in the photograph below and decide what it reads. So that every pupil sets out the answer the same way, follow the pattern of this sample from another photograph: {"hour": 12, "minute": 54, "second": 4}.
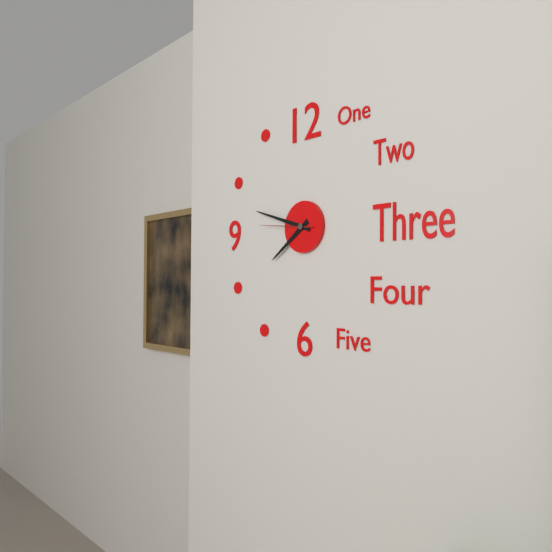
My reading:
{"hour": 7, "minute": 48, "second": 46}
